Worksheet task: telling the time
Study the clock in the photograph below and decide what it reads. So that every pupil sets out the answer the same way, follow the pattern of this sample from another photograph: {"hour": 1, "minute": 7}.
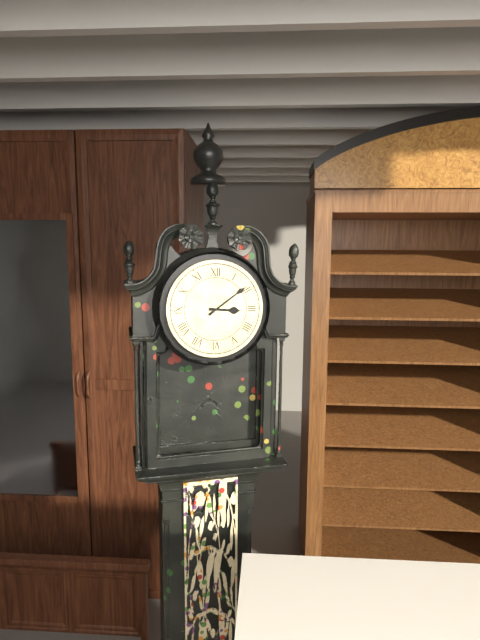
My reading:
{"hour": 3, "minute": 9}
